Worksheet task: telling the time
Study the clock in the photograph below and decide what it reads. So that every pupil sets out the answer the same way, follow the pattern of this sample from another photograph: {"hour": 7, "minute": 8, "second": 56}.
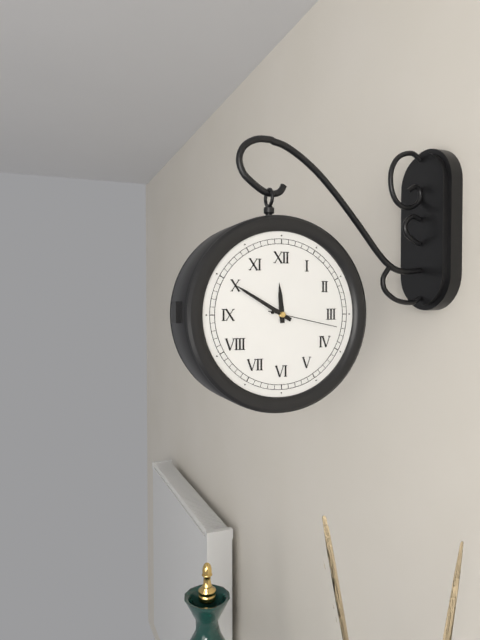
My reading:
{"hour": 11, "minute": 50, "second": 17}
